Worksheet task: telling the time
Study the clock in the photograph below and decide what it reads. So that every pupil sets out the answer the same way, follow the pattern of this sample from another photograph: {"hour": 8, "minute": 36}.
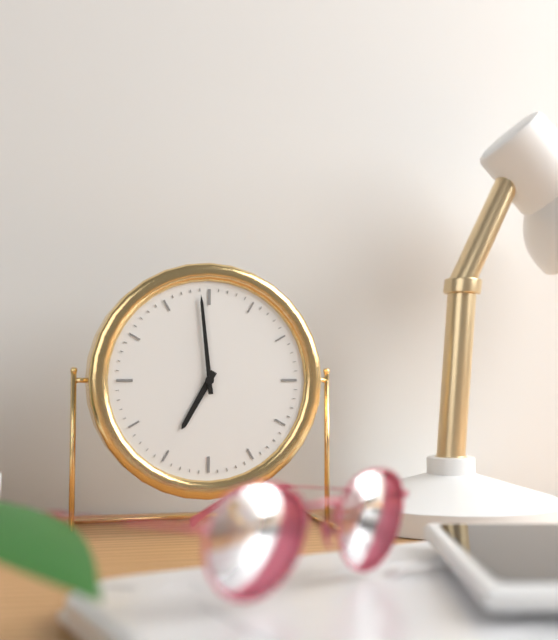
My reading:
{"hour": 6, "minute": 59}
